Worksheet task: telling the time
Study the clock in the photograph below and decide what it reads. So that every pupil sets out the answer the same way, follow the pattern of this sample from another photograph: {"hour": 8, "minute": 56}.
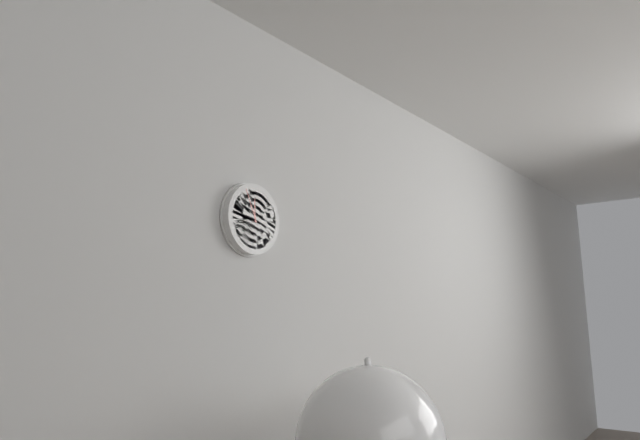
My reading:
{"hour": 11, "minute": 56}
